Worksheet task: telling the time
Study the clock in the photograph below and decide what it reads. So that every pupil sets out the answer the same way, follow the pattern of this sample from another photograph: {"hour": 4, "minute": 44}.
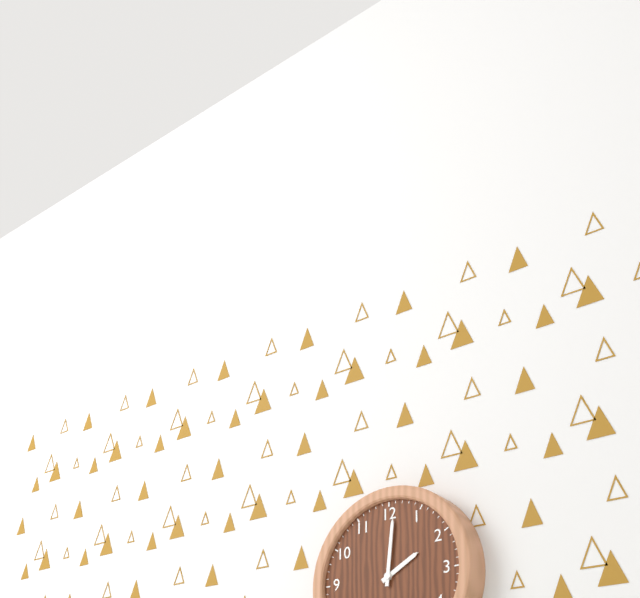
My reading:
{"hour": 2, "minute": 1}
